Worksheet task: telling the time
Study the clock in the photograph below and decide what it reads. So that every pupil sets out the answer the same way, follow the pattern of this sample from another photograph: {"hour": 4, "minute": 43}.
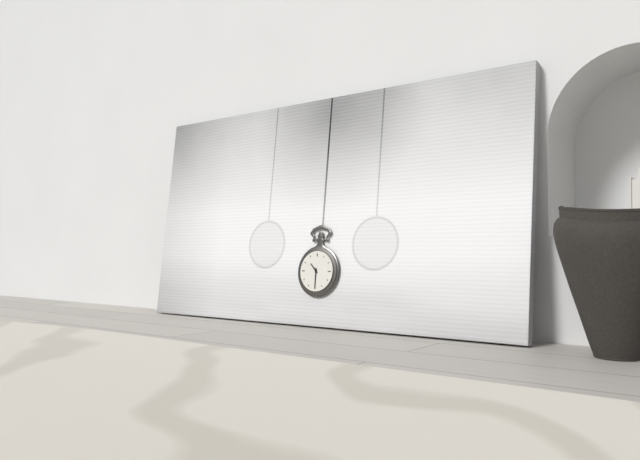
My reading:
{"hour": 10, "minute": 30}
